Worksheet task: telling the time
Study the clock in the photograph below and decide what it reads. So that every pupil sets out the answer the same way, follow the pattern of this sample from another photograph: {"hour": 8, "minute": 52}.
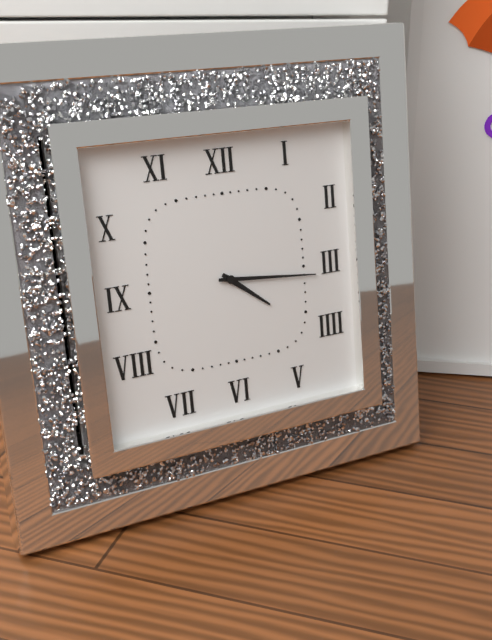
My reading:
{"hour": 4, "minute": 16}
